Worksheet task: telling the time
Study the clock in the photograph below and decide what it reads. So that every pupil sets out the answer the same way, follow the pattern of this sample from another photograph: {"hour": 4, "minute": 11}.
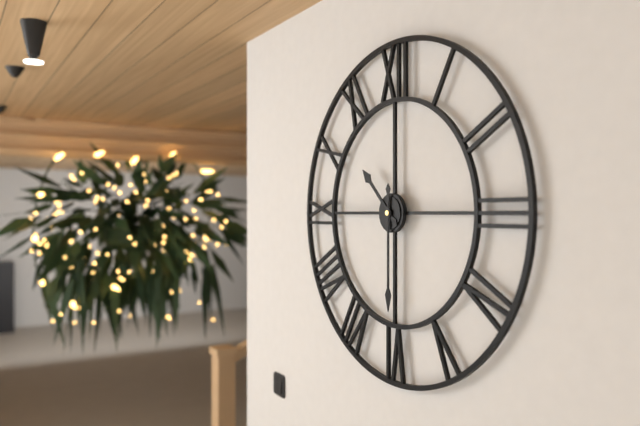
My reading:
{"hour": 10, "minute": 30}
